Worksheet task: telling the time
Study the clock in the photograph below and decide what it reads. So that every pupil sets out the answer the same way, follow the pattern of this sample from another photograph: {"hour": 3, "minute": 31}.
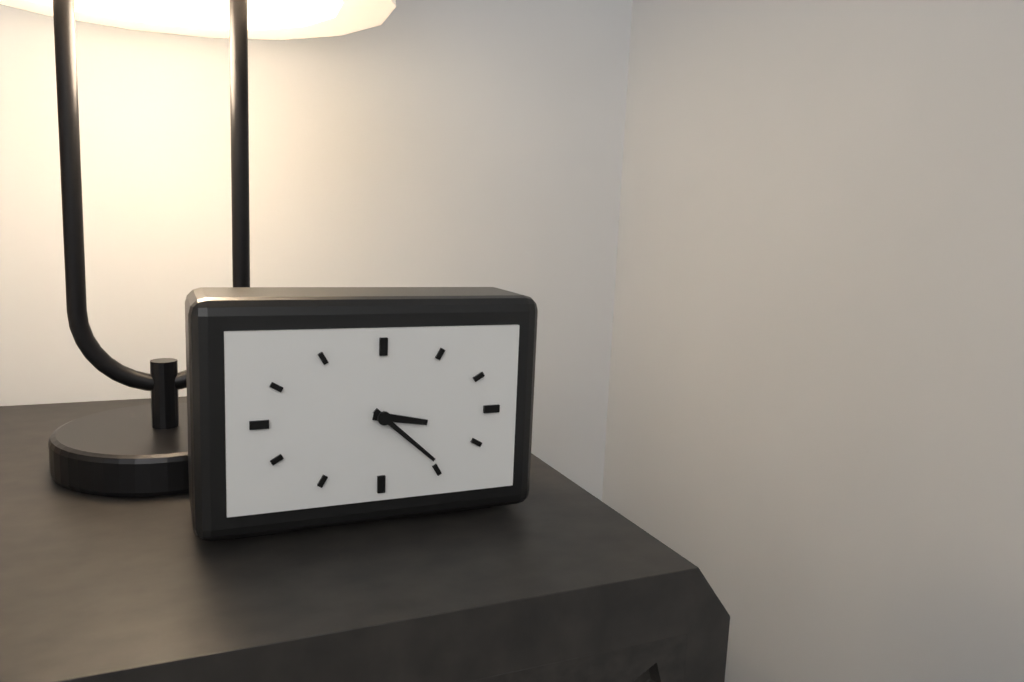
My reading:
{"hour": 3, "minute": 22}
